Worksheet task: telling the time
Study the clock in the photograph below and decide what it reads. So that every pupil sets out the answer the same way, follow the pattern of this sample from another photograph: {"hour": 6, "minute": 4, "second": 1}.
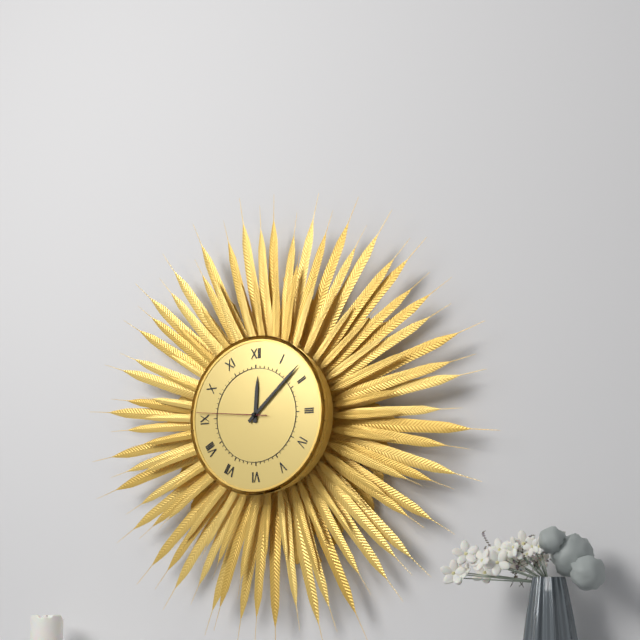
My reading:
{"hour": 12, "minute": 8, "second": 46}
